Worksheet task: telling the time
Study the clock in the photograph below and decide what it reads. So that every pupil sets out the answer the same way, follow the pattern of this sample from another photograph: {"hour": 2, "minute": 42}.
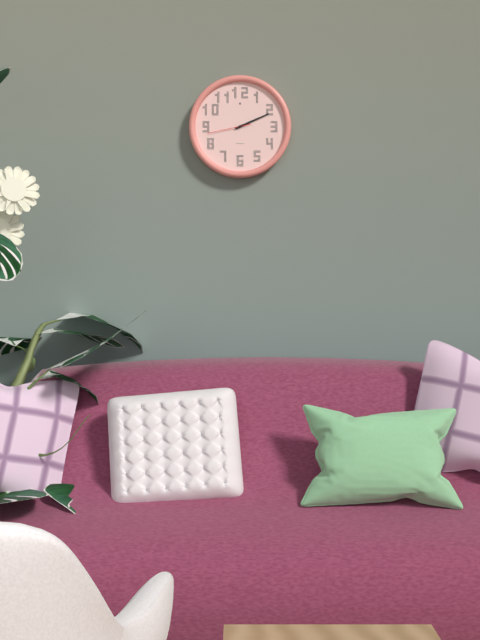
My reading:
{"hour": 2, "minute": 11}
